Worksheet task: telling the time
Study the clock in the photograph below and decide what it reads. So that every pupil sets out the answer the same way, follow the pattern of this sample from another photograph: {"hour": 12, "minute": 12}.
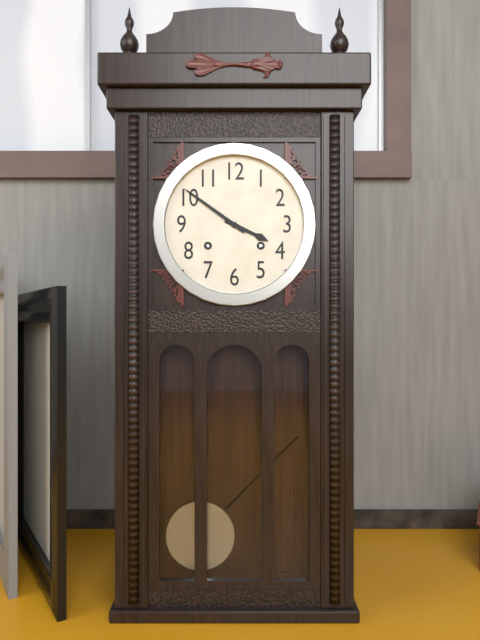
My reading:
{"hour": 3, "minute": 51}
